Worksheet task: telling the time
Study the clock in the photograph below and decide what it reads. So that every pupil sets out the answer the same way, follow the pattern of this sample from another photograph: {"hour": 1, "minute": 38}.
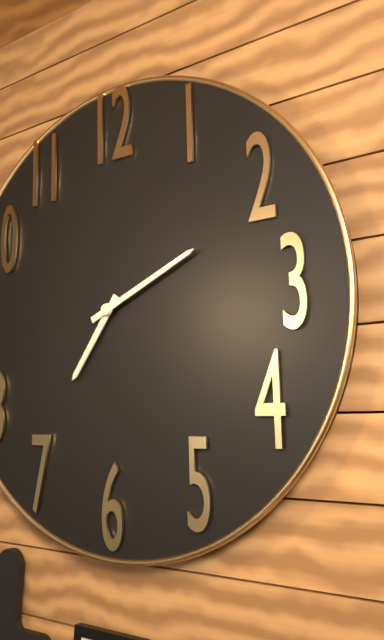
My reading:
{"hour": 7, "minute": 11}
